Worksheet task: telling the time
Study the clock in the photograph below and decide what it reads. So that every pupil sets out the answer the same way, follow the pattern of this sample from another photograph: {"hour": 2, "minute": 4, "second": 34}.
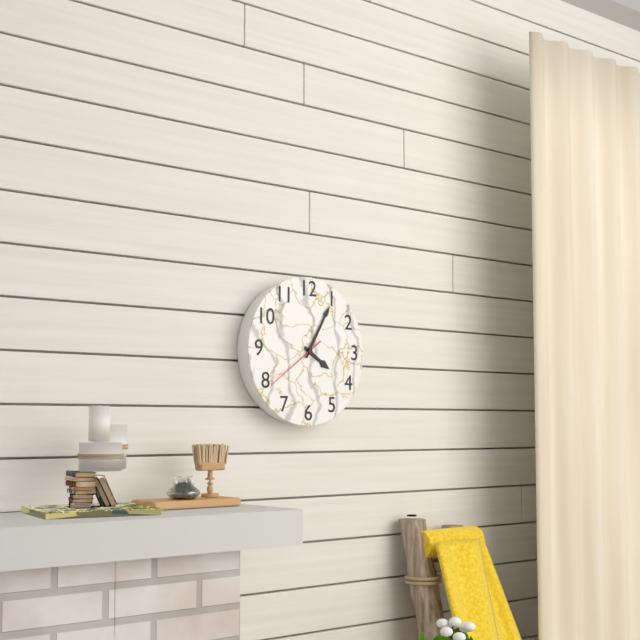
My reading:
{"hour": 4, "minute": 5, "second": 39}
